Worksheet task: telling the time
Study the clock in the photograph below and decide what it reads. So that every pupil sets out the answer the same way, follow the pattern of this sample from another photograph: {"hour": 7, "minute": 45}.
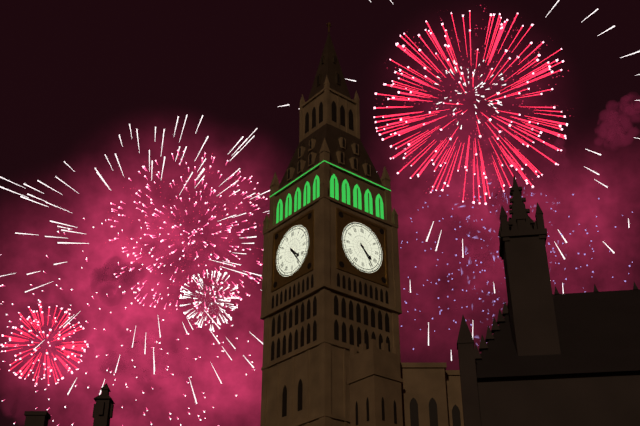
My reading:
{"hour": 4, "minute": 24}
